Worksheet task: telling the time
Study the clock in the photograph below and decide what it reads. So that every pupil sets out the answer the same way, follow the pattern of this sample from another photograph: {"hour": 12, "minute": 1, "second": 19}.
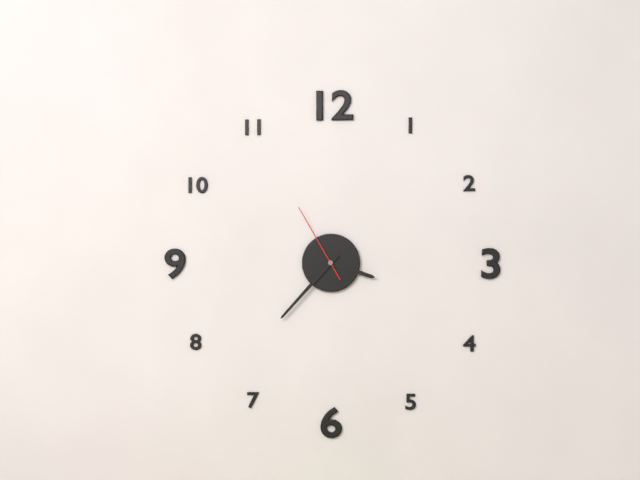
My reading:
{"hour": 3, "minute": 37, "second": 55}
